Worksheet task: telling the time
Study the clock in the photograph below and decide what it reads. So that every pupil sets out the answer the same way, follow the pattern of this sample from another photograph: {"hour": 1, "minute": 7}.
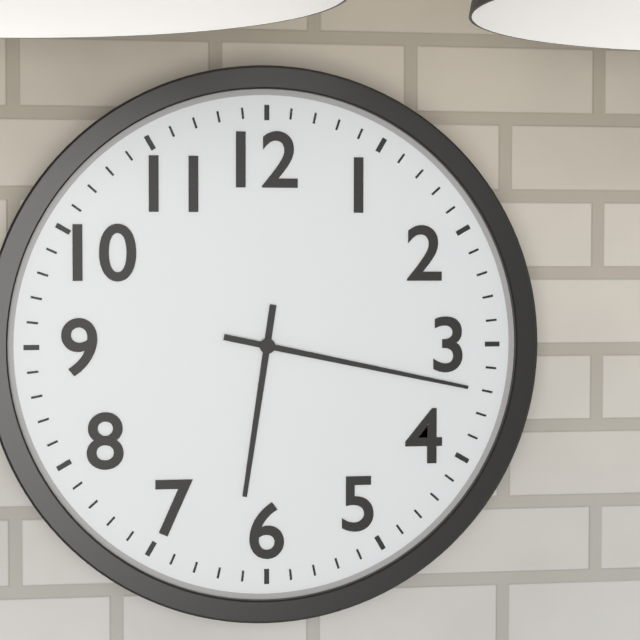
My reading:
{"hour": 6, "minute": 17}
